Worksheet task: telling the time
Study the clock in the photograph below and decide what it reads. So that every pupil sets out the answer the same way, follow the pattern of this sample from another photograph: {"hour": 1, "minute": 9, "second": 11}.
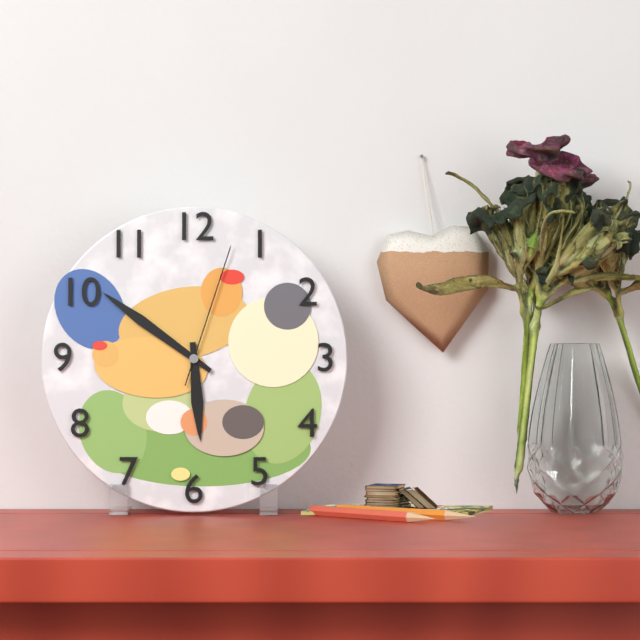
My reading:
{"hour": 5, "minute": 51, "second": 3}
